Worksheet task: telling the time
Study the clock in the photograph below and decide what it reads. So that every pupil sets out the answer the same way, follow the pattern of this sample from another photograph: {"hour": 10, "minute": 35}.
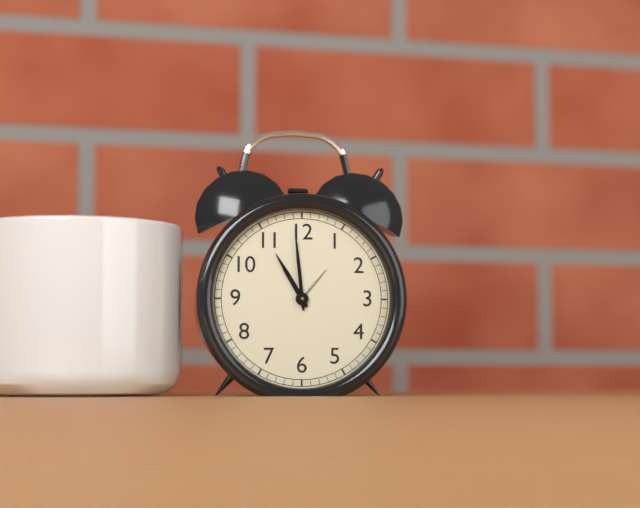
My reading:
{"hour": 10, "minute": 59}
